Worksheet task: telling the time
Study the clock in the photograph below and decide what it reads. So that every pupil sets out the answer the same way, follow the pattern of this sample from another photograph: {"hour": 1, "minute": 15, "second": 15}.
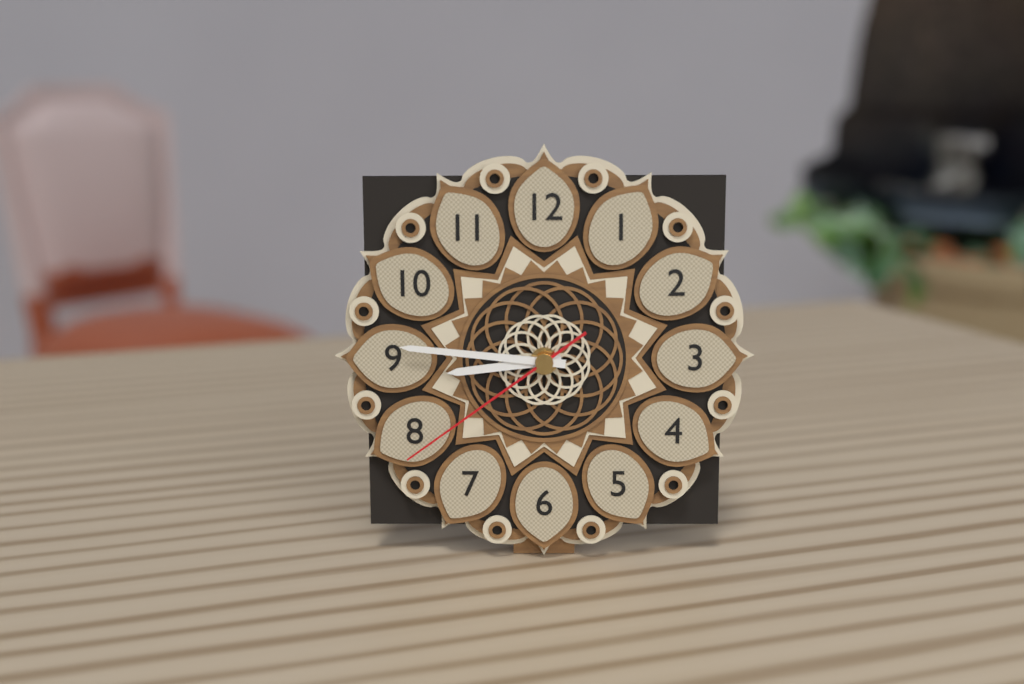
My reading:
{"hour": 8, "minute": 46, "second": 39}
